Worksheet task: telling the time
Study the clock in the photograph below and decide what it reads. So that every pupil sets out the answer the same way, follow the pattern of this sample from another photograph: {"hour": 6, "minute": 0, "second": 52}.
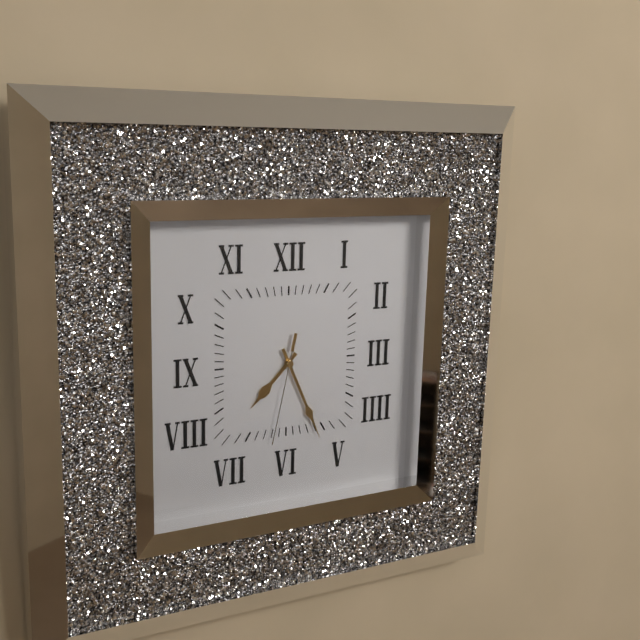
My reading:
{"hour": 7, "minute": 26, "second": 32}
